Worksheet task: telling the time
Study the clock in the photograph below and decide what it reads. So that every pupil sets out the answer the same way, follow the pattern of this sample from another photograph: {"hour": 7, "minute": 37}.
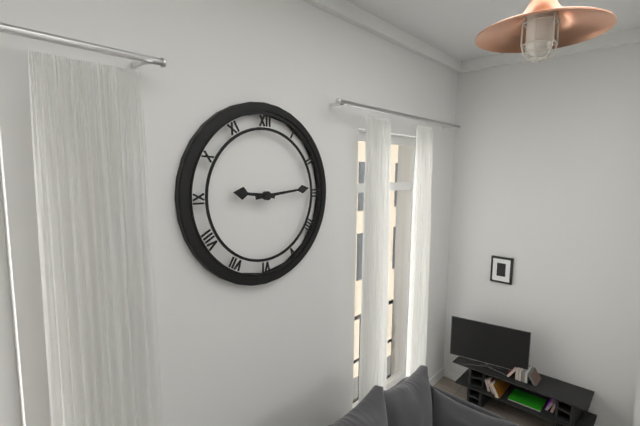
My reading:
{"hour": 9, "minute": 14}
